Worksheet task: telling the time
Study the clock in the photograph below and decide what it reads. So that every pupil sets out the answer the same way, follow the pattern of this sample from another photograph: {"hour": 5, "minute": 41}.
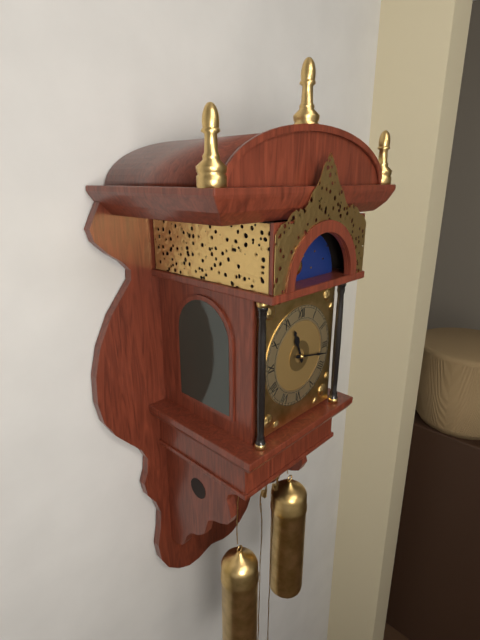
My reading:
{"hour": 11, "minute": 17}
